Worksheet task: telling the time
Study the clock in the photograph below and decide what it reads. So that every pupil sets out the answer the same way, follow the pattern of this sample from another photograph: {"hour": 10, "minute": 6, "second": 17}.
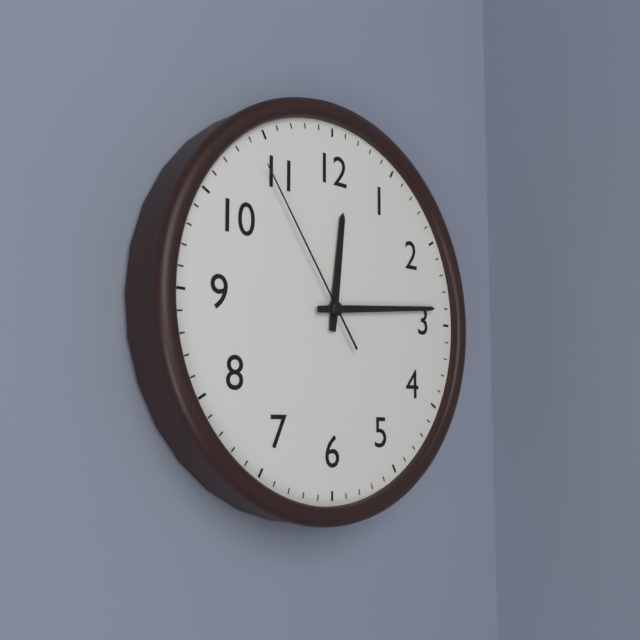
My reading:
{"hour": 12, "minute": 14, "second": 54}
